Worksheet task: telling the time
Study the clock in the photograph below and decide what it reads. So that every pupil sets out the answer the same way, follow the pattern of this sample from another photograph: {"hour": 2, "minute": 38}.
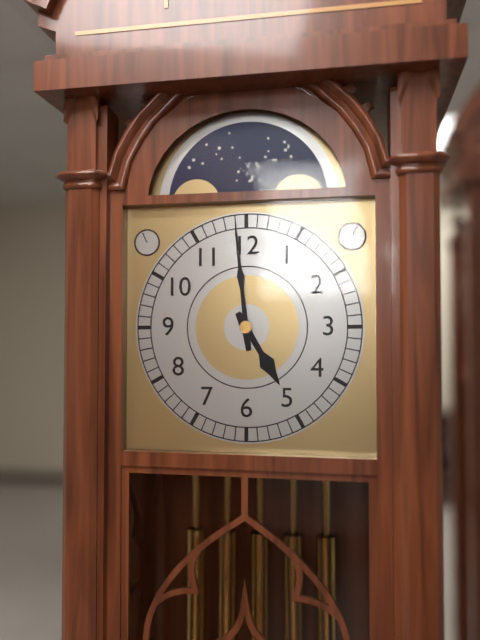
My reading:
{"hour": 4, "minute": 59}
